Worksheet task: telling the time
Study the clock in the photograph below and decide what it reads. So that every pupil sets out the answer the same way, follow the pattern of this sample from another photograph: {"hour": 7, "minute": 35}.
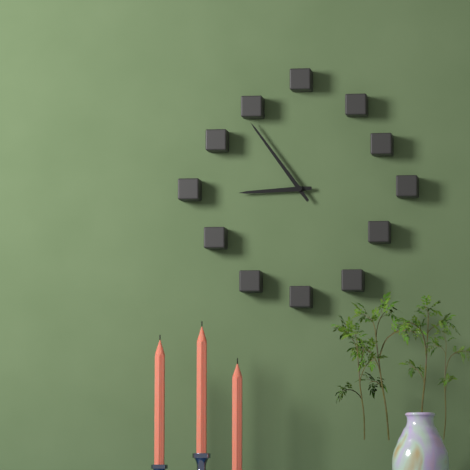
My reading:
{"hour": 8, "minute": 54}
